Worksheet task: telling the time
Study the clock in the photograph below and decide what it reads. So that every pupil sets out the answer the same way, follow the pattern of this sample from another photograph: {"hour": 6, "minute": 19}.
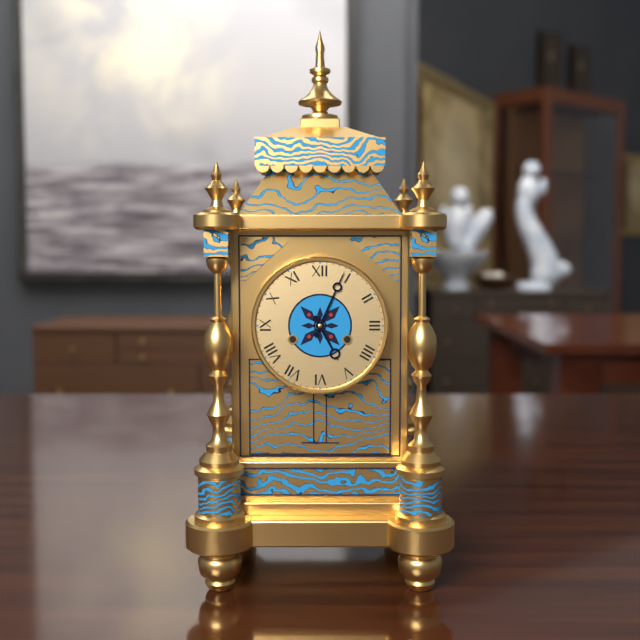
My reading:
{"hour": 5, "minute": 4}
